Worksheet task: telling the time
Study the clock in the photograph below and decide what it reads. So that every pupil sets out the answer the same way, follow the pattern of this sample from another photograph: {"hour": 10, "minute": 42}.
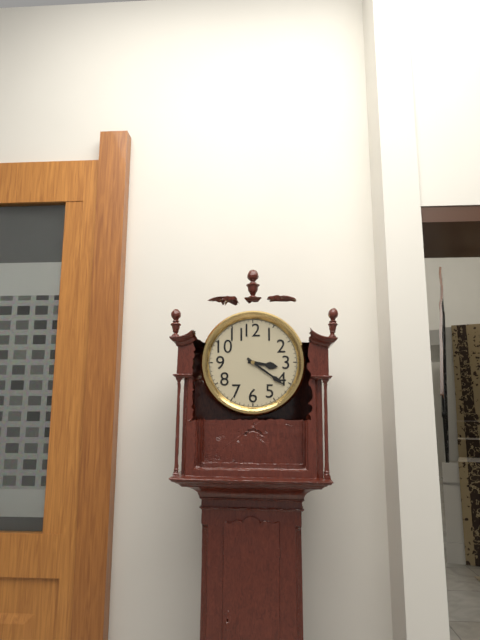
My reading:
{"hour": 3, "minute": 21}
